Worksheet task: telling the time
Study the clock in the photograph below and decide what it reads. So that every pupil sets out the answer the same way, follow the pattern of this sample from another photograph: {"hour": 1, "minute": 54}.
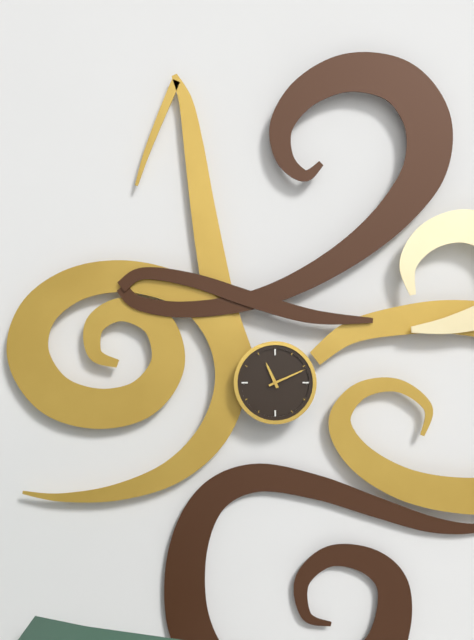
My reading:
{"hour": 11, "minute": 11}
